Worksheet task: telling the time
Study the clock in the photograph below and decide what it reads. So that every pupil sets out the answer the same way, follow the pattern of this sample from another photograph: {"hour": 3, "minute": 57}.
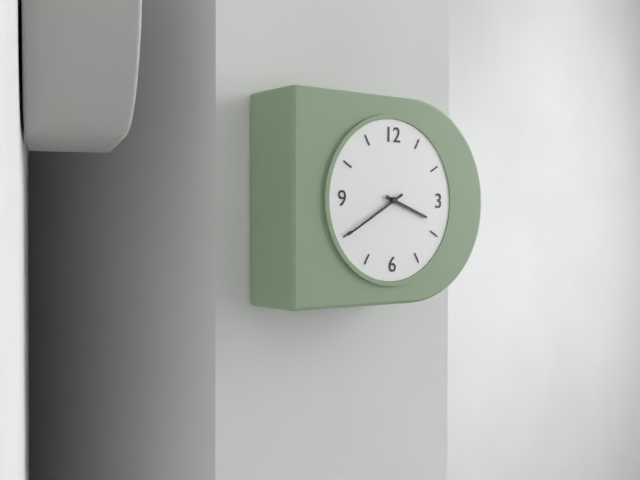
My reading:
{"hour": 3, "minute": 40}
